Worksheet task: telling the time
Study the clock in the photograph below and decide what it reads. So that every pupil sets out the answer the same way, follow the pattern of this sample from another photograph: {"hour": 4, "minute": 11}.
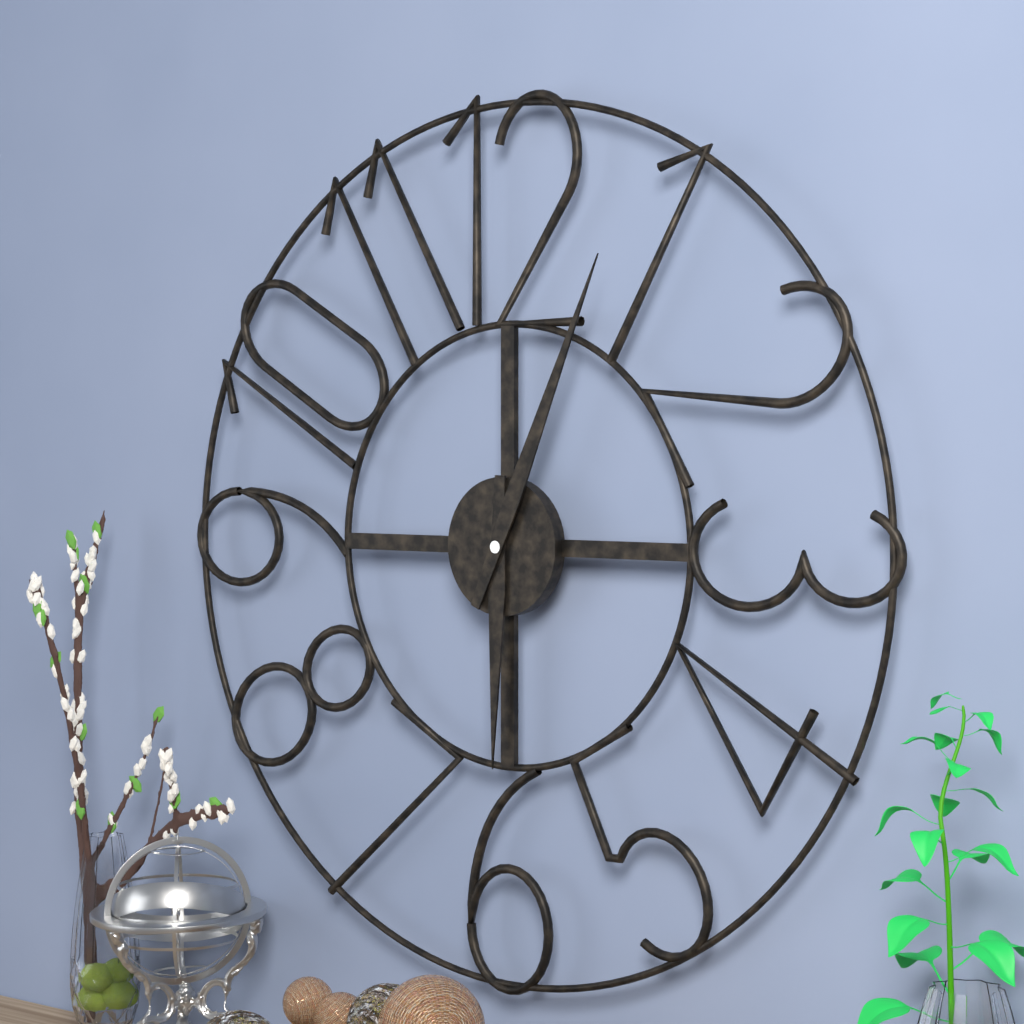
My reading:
{"hour": 6, "minute": 4}
